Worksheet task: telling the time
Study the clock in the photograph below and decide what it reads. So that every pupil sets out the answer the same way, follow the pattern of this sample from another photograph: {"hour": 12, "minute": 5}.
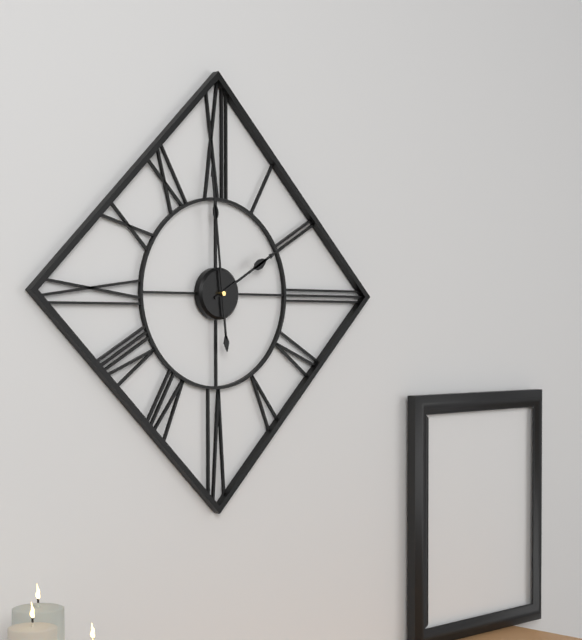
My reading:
{"hour": 1, "minute": 59}
